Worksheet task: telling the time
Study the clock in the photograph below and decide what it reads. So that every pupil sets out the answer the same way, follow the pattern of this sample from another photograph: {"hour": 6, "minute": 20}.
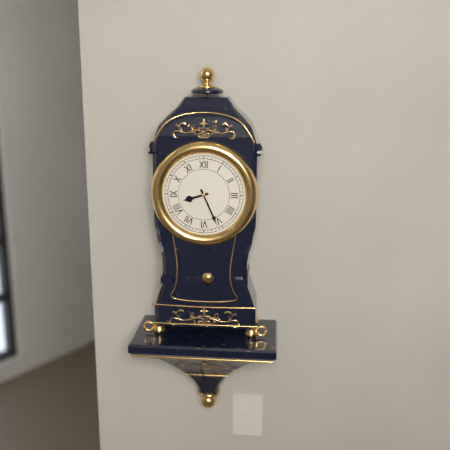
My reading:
{"hour": 8, "minute": 26}
